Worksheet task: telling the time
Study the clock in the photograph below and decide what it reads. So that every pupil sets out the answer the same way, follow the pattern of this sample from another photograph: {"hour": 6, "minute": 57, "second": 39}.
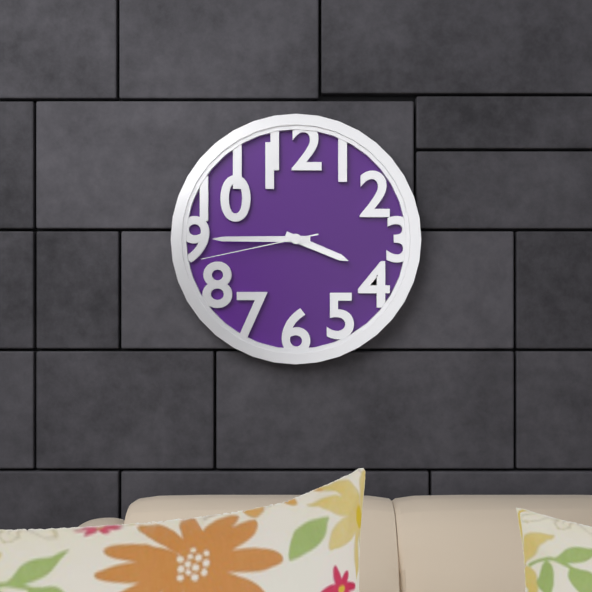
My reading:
{"hour": 3, "minute": 45, "second": 43}
